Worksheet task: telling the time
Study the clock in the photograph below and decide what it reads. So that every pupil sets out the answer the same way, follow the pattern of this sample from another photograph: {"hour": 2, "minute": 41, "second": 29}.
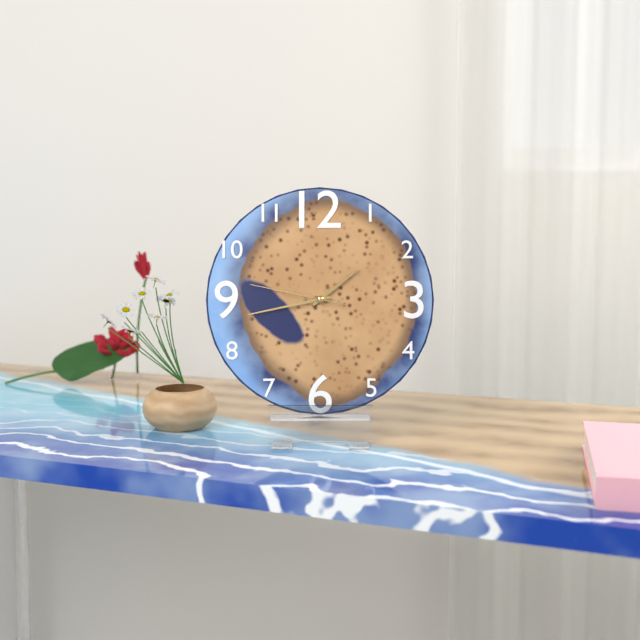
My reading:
{"hour": 1, "minute": 43, "second": 47}
